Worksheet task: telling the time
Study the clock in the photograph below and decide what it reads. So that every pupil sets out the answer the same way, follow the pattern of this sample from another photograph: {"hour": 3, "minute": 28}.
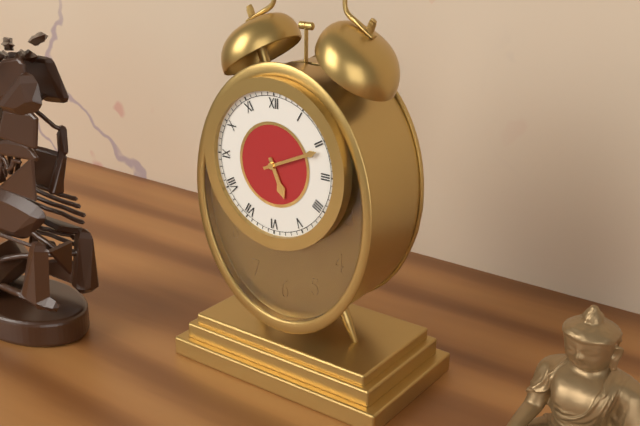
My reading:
{"hour": 5, "minute": 11}
